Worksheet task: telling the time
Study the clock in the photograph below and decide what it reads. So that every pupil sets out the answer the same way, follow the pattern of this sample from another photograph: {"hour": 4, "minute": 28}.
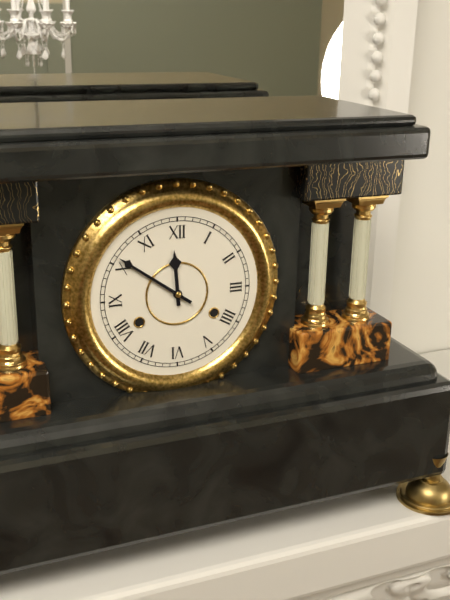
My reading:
{"hour": 11, "minute": 51}
